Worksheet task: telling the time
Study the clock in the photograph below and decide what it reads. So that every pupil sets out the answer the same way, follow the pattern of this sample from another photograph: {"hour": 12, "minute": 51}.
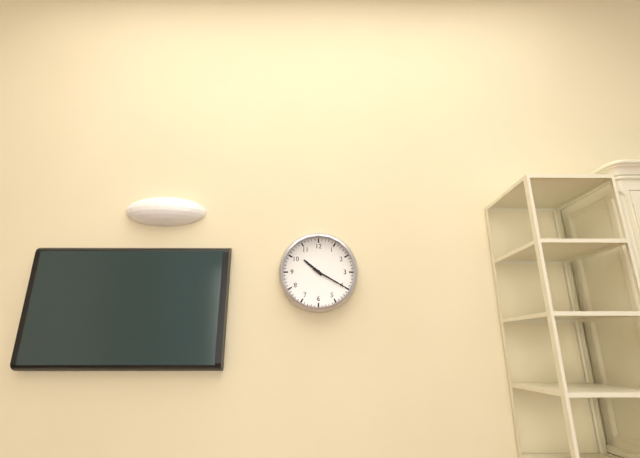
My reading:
{"hour": 10, "minute": 20}
